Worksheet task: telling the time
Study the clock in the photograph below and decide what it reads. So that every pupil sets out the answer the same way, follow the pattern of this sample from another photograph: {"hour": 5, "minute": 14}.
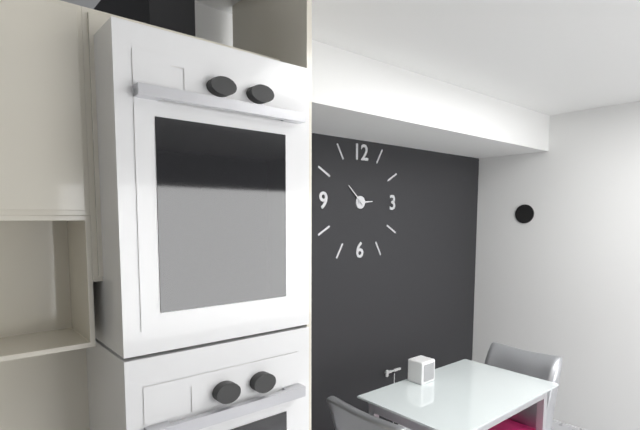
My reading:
{"hour": 2, "minute": 52}
